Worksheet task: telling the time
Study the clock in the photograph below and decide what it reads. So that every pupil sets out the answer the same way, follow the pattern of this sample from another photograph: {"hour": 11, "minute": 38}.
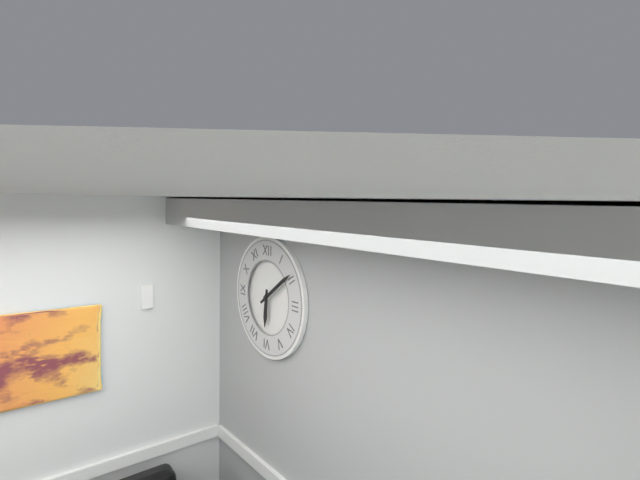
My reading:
{"hour": 6, "minute": 9}
